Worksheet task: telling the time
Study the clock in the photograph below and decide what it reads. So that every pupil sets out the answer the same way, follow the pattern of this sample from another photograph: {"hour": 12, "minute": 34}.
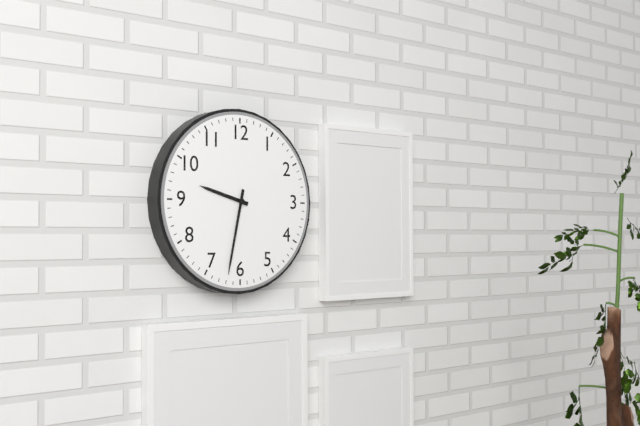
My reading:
{"hour": 9, "minute": 32}
